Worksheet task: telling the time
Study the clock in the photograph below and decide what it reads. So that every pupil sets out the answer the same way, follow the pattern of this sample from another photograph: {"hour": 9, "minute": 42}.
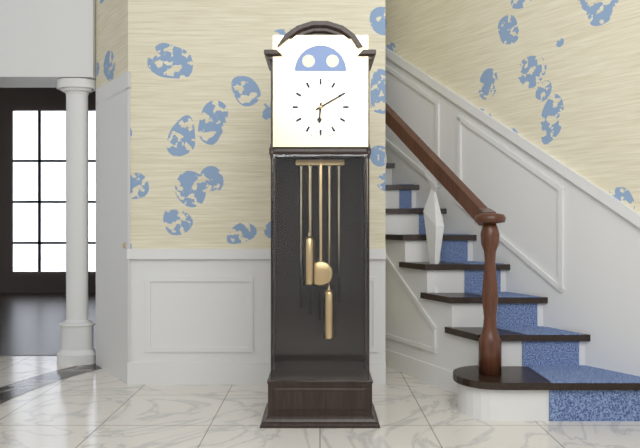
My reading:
{"hour": 6, "minute": 10}
